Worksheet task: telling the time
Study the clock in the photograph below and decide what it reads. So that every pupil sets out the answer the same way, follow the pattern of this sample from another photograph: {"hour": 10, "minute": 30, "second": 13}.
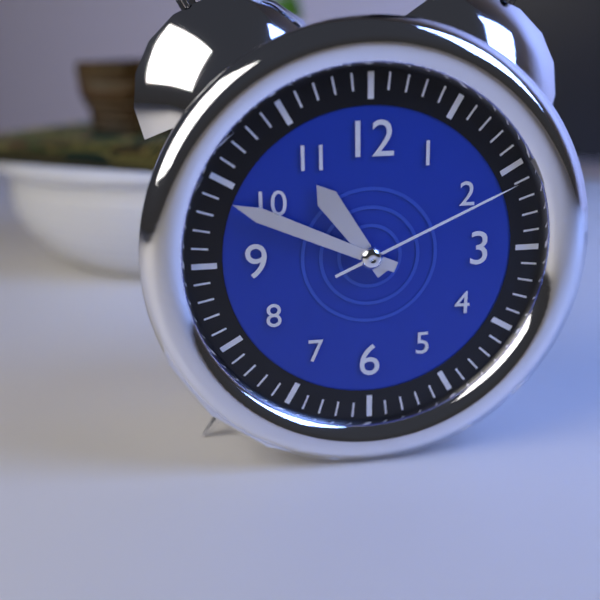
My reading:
{"hour": 10, "minute": 49, "second": 11}
